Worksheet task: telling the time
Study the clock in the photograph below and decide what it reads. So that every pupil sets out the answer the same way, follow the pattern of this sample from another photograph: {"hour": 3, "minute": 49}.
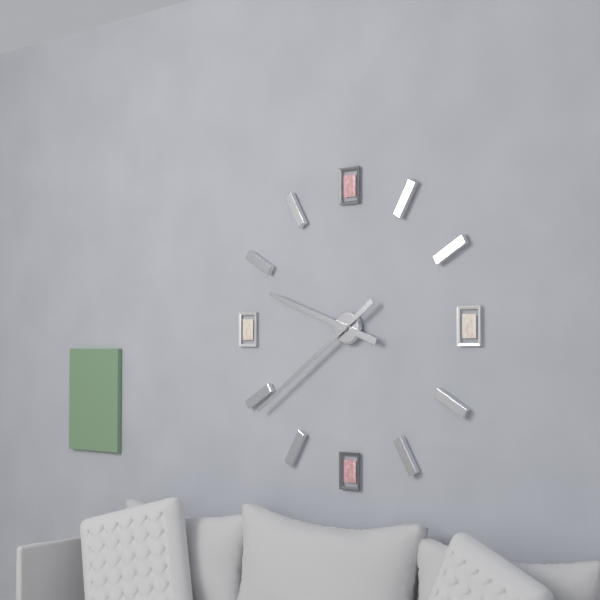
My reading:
{"hour": 9, "minute": 39}
